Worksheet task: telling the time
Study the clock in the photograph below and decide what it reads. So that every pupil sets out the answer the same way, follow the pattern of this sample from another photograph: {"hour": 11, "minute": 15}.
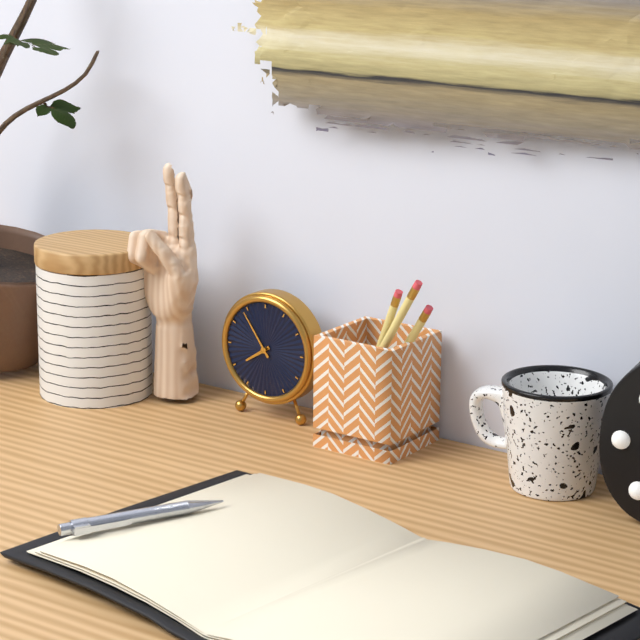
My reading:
{"hour": 7, "minute": 54}
